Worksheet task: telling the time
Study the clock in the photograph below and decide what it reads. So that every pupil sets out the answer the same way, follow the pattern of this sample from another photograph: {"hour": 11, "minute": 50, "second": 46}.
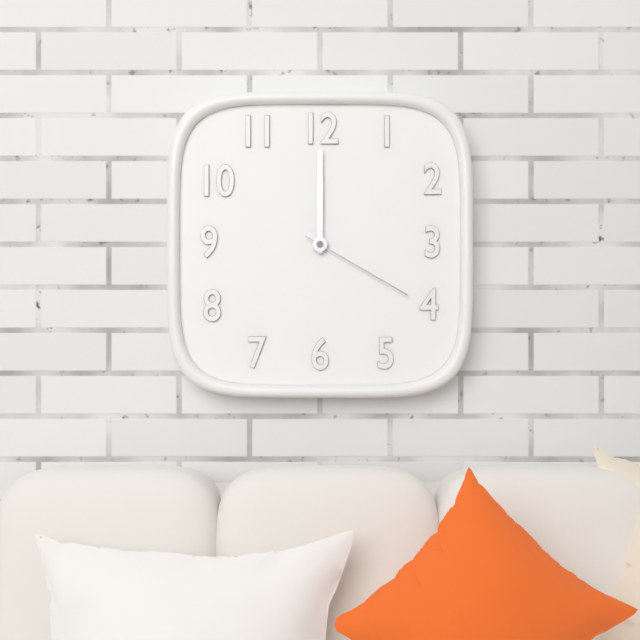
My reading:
{"hour": 12, "minute": 0, "second": 20}
